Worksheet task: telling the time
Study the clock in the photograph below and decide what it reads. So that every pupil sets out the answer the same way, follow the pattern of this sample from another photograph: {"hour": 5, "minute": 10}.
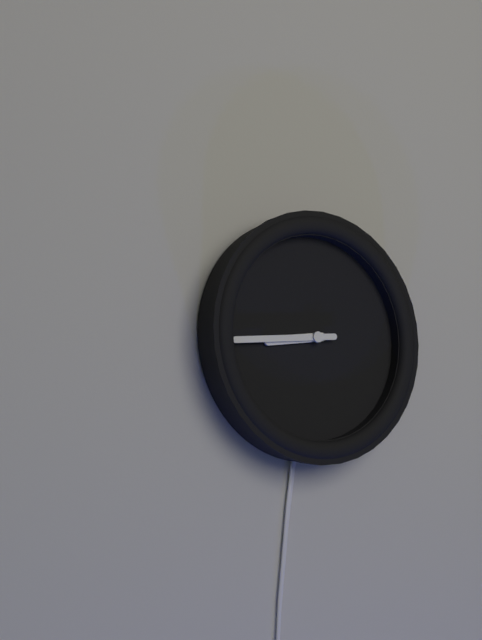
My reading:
{"hour": 8, "minute": 44}
